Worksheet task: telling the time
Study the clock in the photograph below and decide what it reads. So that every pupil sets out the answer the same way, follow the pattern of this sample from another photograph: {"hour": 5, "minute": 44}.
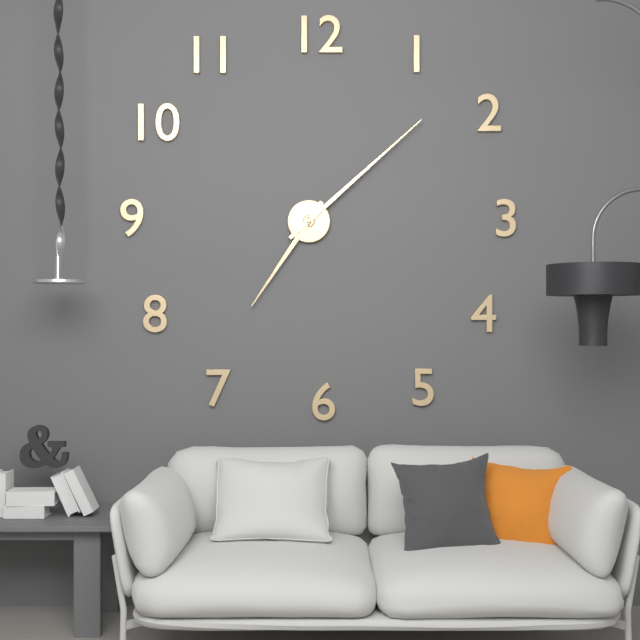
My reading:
{"hour": 7, "minute": 8}
